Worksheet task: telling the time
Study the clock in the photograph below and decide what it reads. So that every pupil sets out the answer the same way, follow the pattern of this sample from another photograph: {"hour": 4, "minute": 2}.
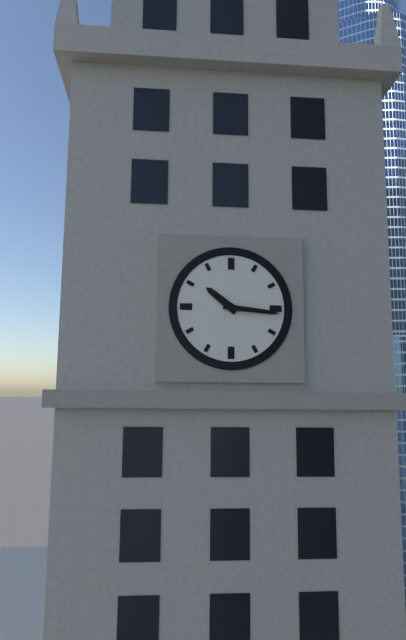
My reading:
{"hour": 10, "minute": 16}
